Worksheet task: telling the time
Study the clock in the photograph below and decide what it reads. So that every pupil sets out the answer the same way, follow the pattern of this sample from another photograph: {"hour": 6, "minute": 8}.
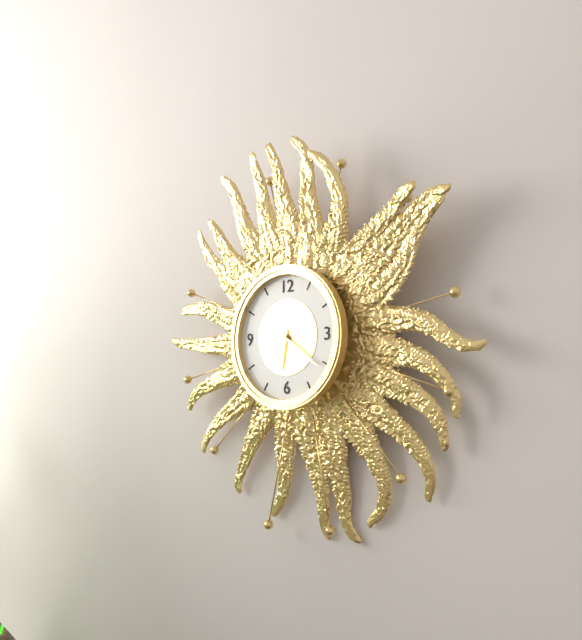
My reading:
{"hour": 6, "minute": 21}
